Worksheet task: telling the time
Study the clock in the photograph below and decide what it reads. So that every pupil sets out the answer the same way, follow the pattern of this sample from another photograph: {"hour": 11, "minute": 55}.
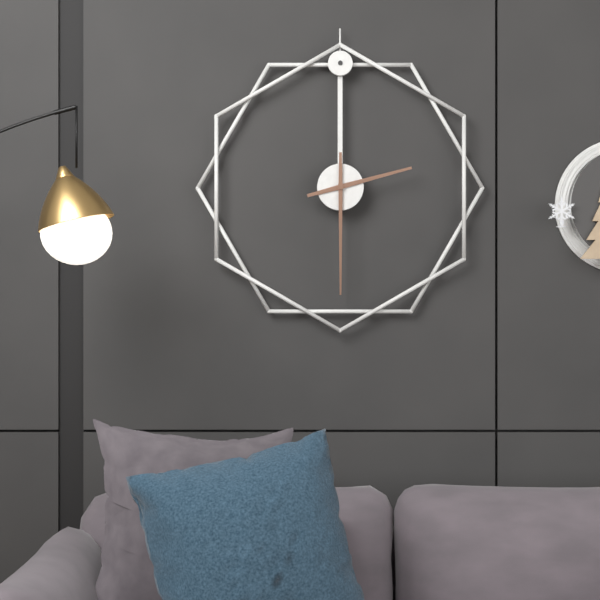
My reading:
{"hour": 2, "minute": 30}
